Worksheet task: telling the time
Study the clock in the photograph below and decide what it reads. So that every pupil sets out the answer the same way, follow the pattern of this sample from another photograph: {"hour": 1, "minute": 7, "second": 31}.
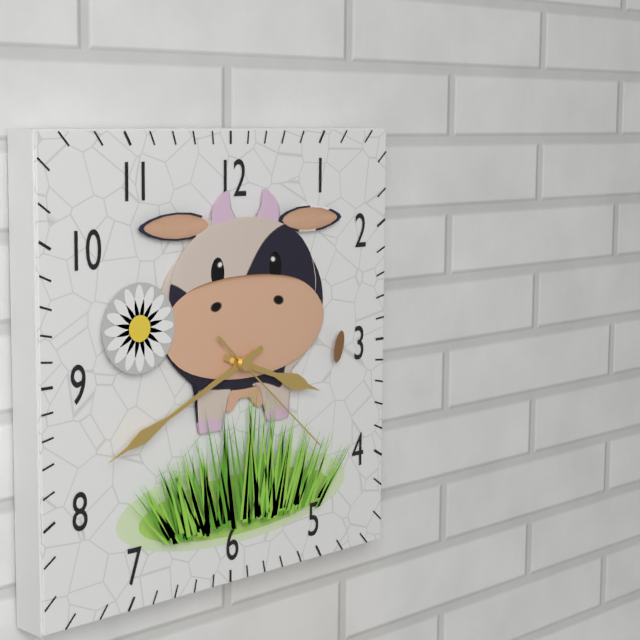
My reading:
{"hour": 3, "minute": 41, "second": 22}
